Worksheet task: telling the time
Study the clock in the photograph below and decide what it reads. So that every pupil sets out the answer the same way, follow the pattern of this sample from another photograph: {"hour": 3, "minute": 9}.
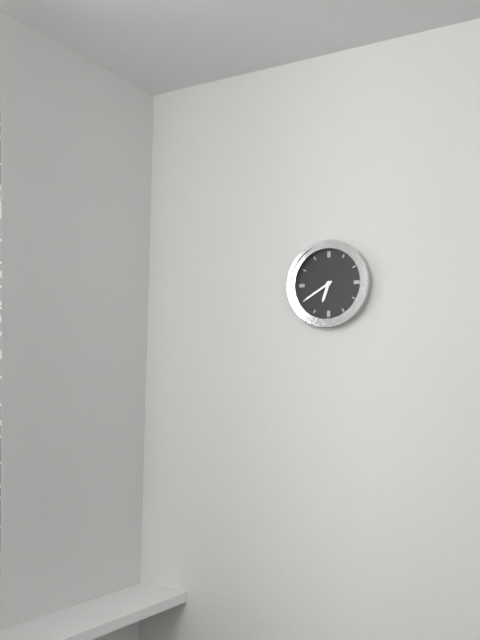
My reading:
{"hour": 6, "minute": 40}
